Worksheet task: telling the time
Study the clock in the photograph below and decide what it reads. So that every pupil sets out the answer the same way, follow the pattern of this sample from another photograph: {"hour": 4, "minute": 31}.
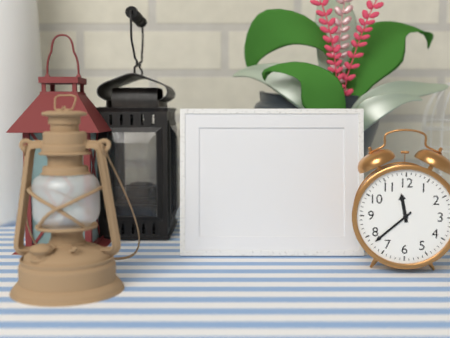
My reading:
{"hour": 11, "minute": 38}
